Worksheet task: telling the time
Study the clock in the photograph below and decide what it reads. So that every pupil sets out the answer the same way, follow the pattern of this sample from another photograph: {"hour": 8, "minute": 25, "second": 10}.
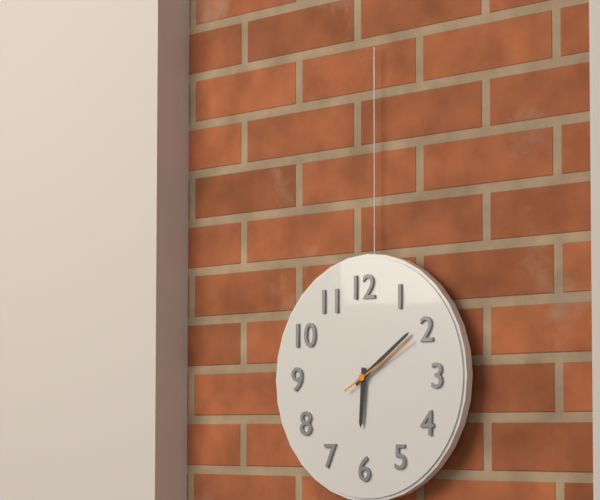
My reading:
{"hour": 6, "minute": 9, "second": 10}
